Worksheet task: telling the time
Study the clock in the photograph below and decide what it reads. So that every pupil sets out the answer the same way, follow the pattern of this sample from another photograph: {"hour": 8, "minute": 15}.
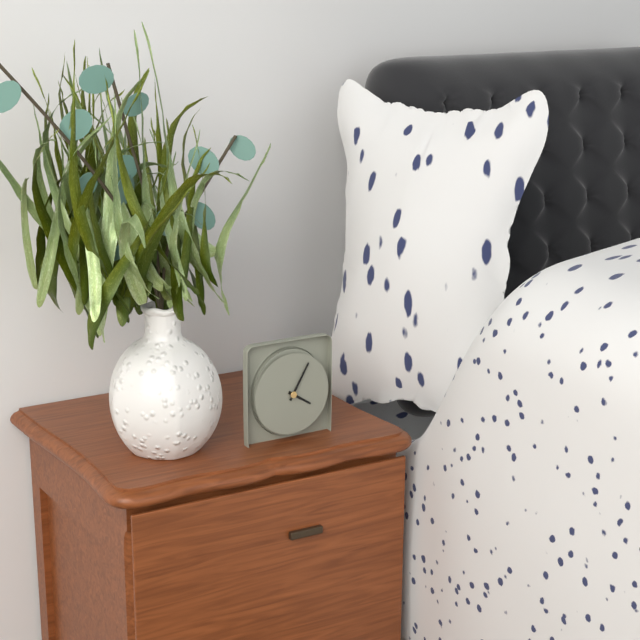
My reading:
{"hour": 4, "minute": 5}
